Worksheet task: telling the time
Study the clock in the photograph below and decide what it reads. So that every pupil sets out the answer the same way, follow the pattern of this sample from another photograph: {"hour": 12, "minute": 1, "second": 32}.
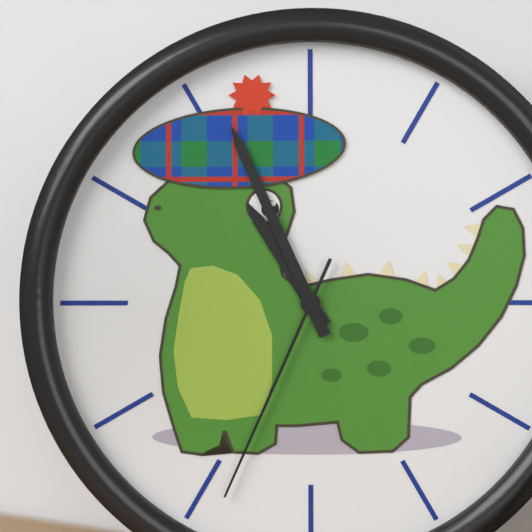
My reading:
{"hour": 10, "minute": 56, "second": 34}
